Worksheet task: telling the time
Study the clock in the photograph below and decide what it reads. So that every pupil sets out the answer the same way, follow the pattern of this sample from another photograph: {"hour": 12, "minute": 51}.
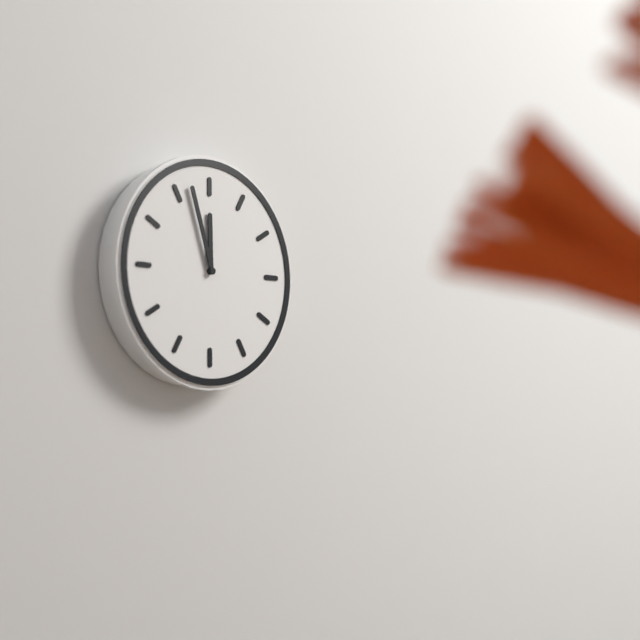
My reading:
{"hour": 11, "minute": 57}
